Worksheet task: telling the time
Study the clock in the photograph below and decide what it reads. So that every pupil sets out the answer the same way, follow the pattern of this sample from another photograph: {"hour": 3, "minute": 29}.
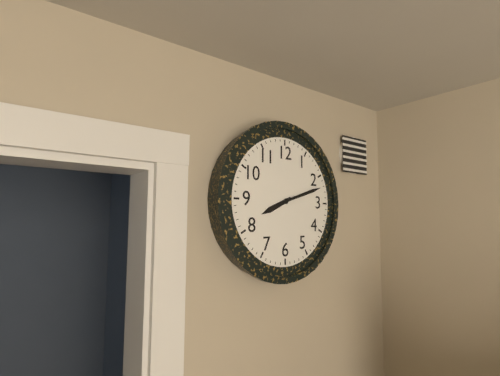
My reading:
{"hour": 8, "minute": 12}
